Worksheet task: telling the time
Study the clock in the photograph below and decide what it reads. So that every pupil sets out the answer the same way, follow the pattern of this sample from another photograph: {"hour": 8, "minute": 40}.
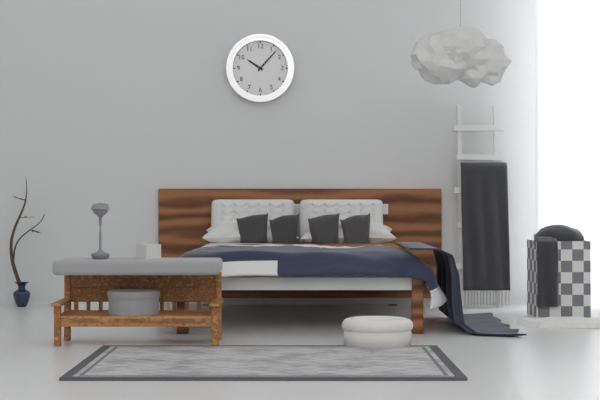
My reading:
{"hour": 10, "minute": 7}
